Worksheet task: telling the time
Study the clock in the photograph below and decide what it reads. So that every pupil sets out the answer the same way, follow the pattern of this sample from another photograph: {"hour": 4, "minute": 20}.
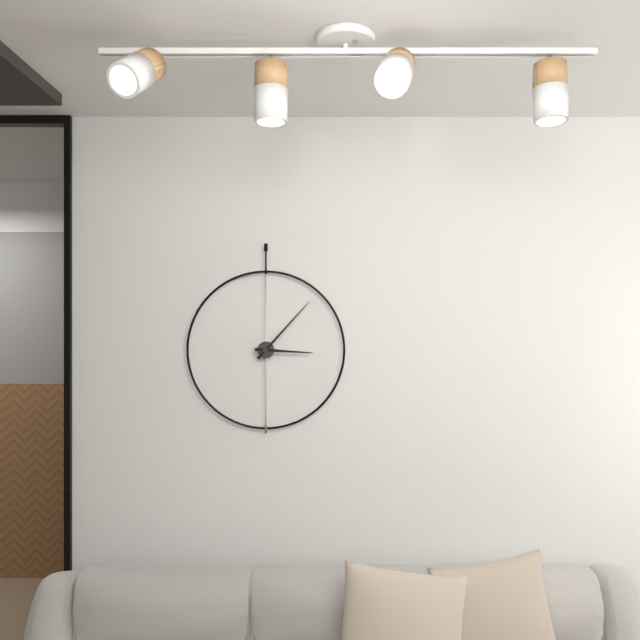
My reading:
{"hour": 3, "minute": 7}
